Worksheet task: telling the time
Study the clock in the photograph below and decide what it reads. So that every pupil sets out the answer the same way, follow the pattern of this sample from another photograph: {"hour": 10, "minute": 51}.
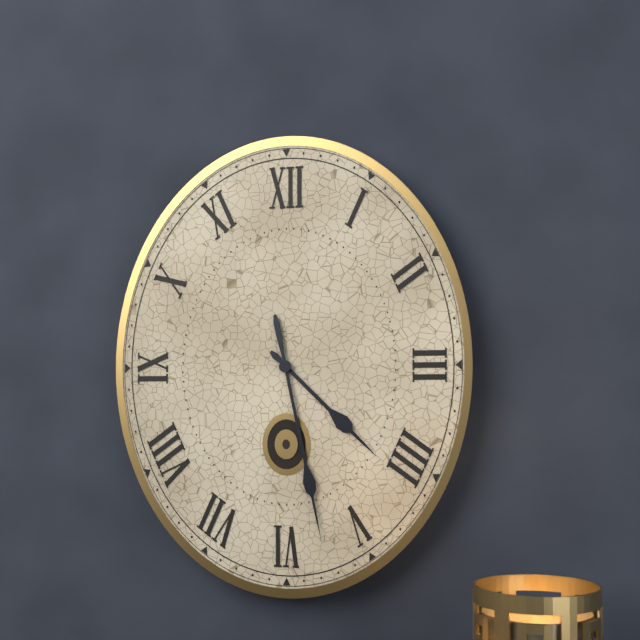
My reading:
{"hour": 4, "minute": 28}
